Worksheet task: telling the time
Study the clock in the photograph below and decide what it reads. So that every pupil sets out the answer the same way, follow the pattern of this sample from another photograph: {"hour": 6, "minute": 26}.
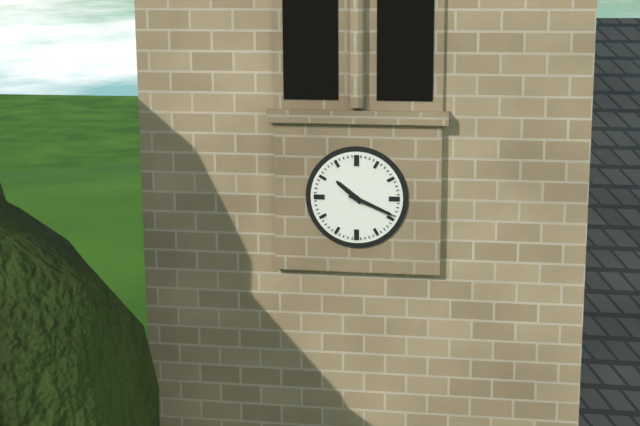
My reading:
{"hour": 10, "minute": 19}
